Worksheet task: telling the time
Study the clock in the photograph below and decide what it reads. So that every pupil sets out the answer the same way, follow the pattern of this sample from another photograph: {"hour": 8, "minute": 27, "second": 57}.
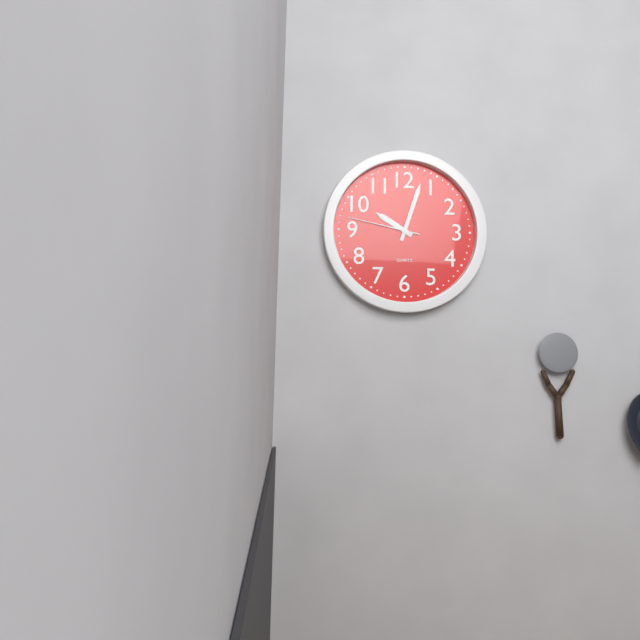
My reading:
{"hour": 10, "minute": 3, "second": 47}
